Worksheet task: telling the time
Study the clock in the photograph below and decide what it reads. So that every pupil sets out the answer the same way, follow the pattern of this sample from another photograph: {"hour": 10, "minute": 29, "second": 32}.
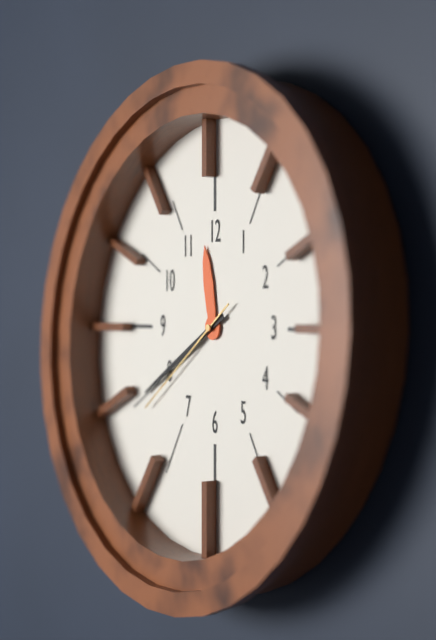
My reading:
{"hour": 11, "minute": 40, "second": 39}
